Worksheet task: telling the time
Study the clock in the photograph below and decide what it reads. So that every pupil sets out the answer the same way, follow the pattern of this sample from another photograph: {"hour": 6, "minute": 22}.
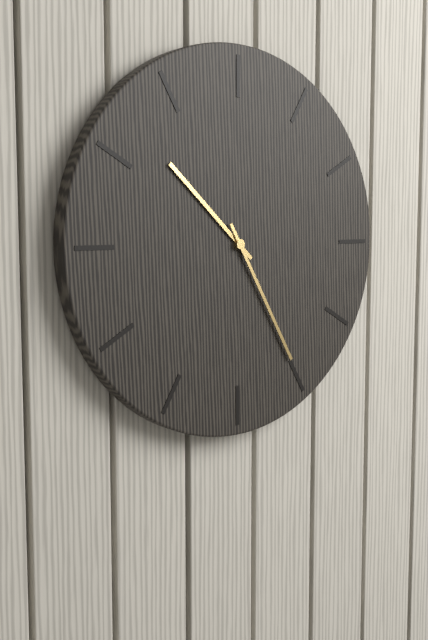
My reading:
{"hour": 10, "minute": 25}
